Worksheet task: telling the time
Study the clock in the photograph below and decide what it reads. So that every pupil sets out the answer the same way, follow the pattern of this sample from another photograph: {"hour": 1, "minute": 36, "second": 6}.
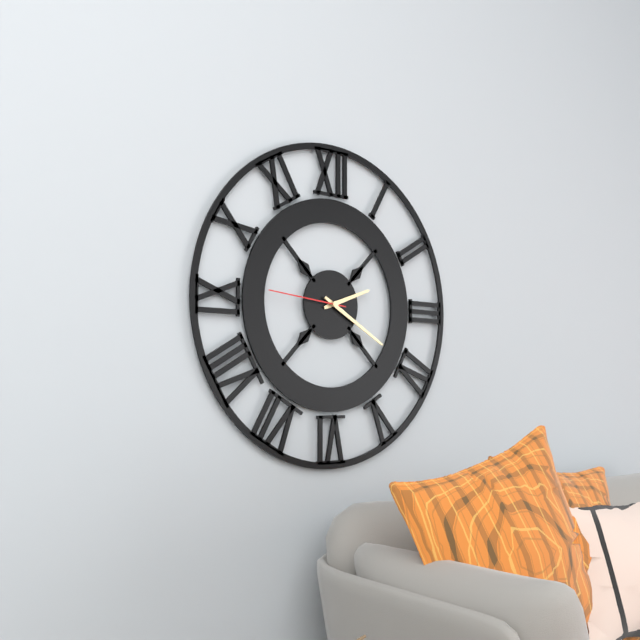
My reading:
{"hour": 2, "minute": 20, "second": 46}
